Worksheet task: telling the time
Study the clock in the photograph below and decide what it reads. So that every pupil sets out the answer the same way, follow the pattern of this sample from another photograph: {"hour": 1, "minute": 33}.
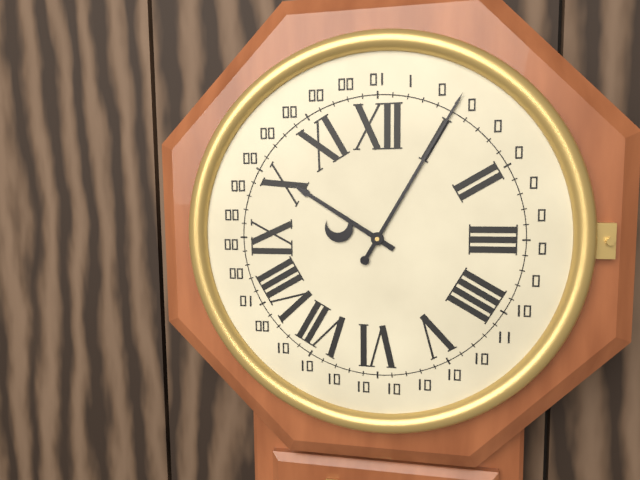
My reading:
{"hour": 10, "minute": 5}
